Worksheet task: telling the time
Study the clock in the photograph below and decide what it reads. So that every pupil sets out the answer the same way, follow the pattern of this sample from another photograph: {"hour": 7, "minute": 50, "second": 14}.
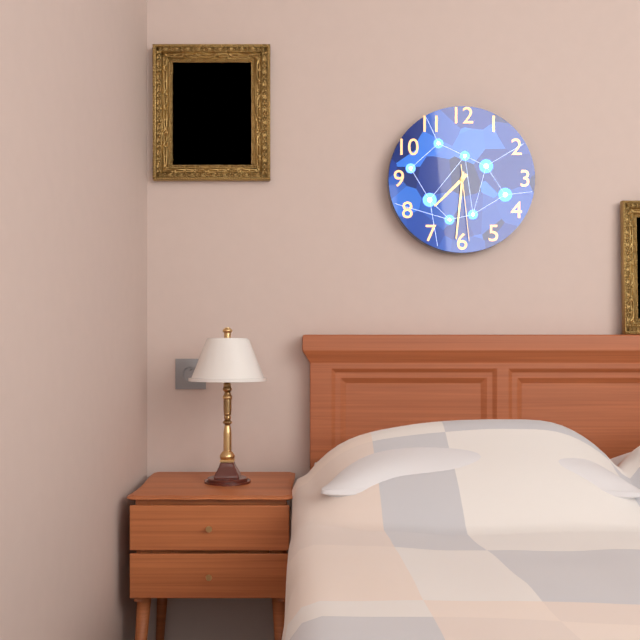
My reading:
{"hour": 7, "minute": 31, "second": 29}
